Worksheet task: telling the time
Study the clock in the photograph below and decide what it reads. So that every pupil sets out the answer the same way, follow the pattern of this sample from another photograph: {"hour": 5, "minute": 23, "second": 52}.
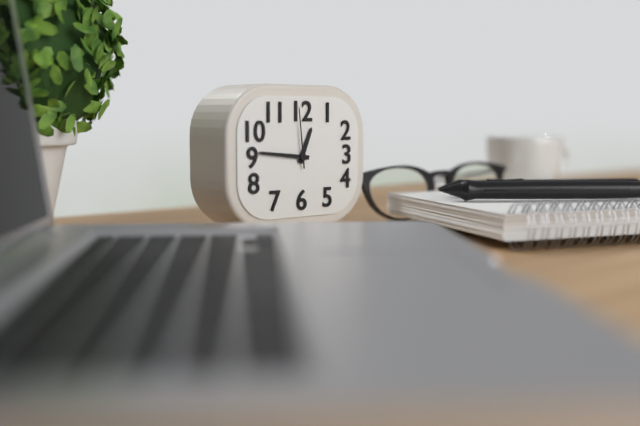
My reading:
{"hour": 12, "minute": 46, "second": 59}
